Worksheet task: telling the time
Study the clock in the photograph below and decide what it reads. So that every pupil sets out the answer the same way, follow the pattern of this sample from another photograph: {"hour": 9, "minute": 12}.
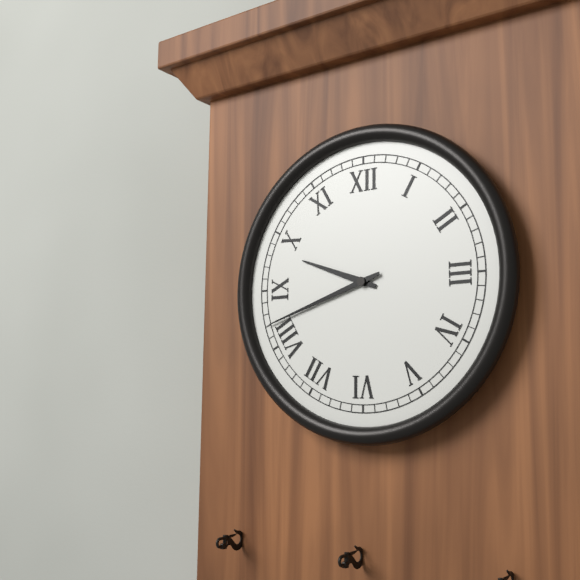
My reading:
{"hour": 9, "minute": 42}
